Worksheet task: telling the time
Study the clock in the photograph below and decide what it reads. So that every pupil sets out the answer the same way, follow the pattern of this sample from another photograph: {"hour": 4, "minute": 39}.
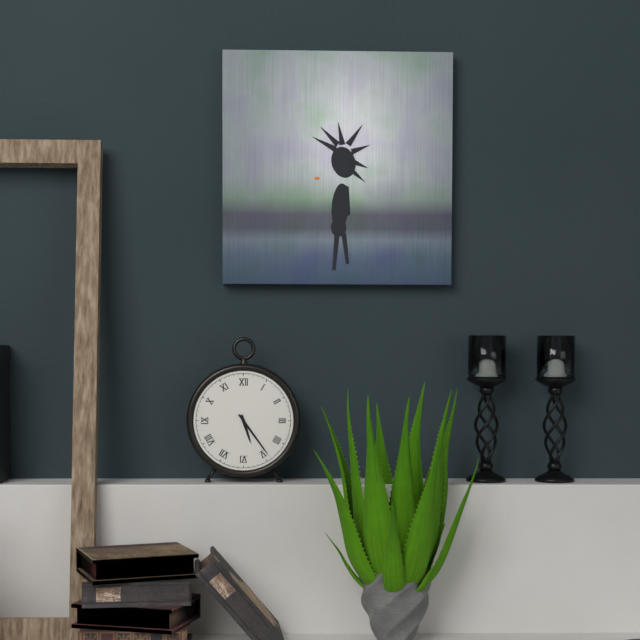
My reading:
{"hour": 5, "minute": 24}
